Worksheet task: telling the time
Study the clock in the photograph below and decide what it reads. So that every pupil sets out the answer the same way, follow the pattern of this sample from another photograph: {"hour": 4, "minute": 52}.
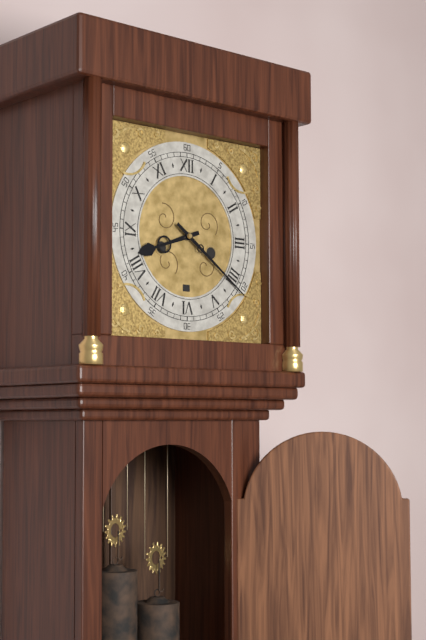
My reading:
{"hour": 8, "minute": 21}
